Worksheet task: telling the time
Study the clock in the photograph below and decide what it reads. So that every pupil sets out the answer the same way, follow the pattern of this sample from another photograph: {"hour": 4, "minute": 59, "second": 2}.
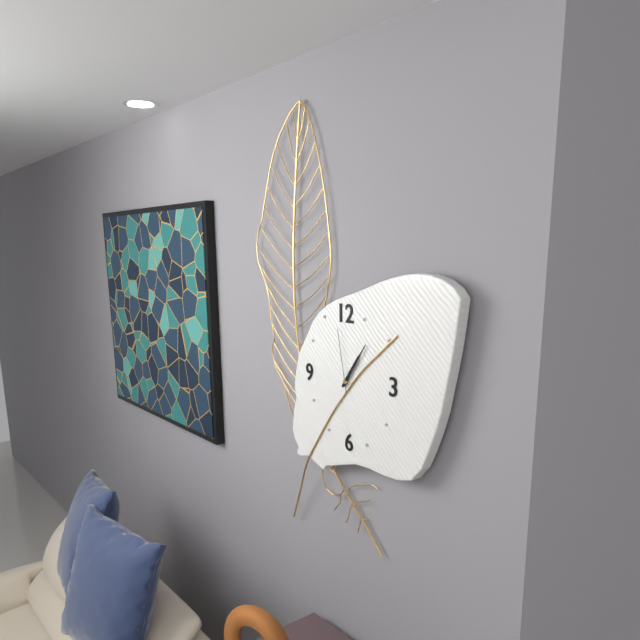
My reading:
{"hour": 1, "minute": 6, "second": 58}
